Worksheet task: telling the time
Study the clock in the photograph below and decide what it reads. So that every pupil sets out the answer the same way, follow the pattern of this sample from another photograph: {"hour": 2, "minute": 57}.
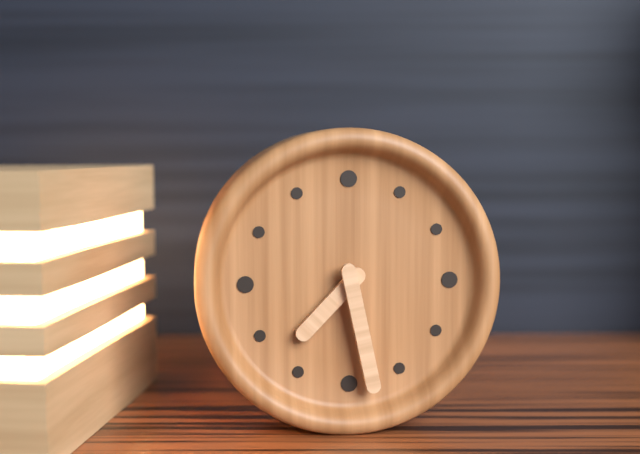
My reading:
{"hour": 7, "minute": 28}
